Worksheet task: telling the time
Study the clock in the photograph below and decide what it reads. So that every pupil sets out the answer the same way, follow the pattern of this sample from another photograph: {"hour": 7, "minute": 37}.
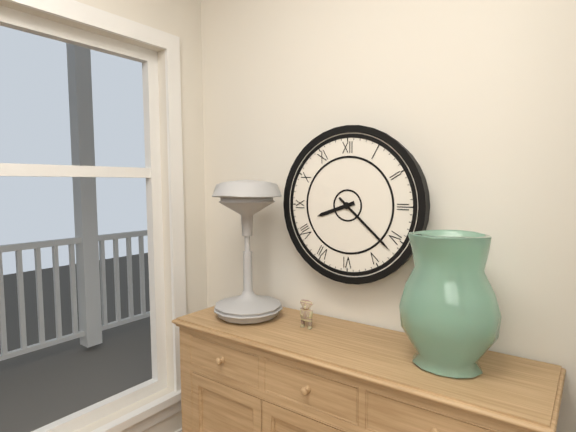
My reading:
{"hour": 8, "minute": 22}
